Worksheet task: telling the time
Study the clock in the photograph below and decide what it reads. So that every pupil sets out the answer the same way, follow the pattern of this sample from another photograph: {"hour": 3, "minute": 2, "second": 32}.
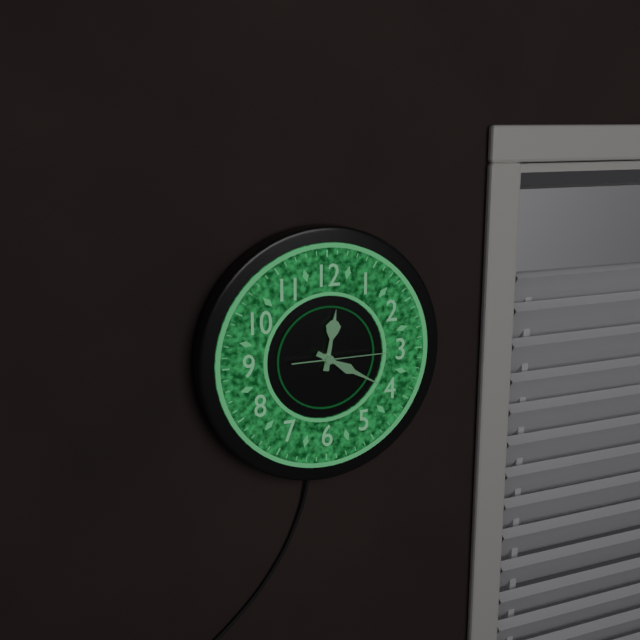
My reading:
{"hour": 12, "minute": 20, "second": 15}
